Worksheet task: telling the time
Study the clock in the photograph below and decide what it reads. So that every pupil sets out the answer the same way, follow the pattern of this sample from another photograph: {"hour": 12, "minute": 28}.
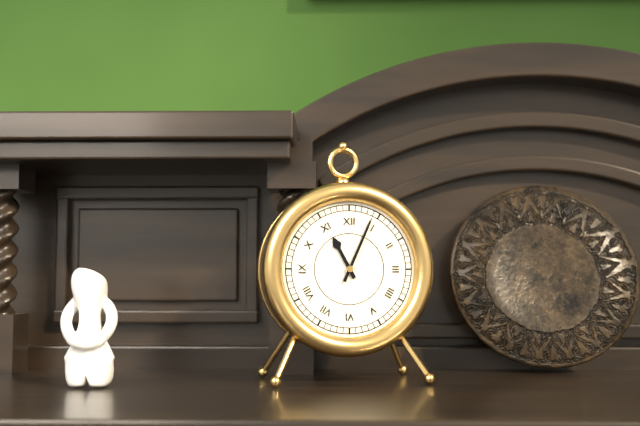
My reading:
{"hour": 11, "minute": 4}
